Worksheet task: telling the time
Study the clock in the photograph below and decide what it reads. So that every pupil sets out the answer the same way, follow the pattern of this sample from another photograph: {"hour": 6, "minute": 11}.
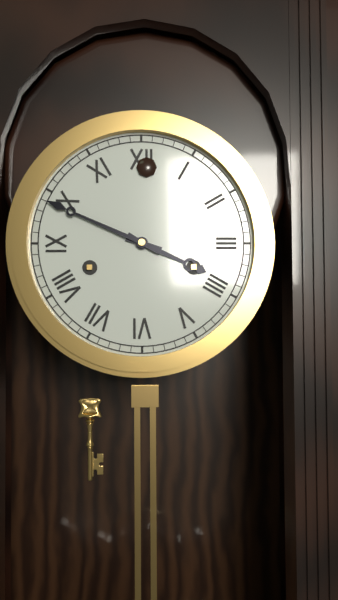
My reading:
{"hour": 3, "minute": 49}
